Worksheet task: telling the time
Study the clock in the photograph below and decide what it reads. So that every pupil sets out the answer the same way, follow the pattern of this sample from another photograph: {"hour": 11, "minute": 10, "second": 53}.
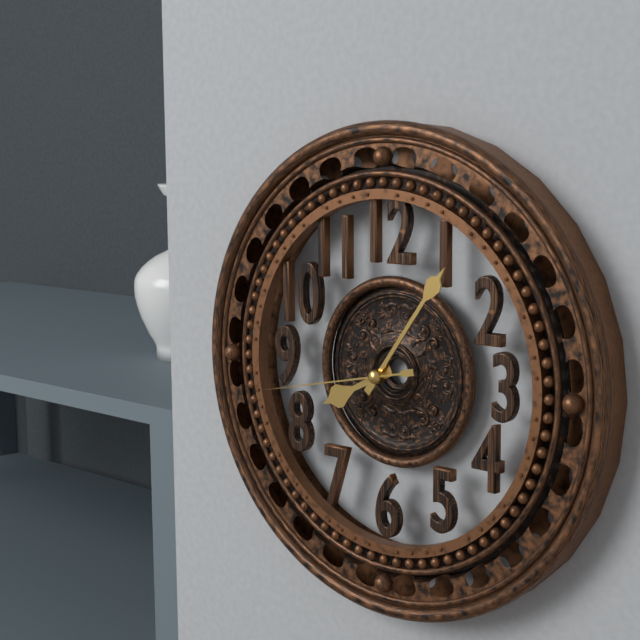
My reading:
{"hour": 8, "minute": 6, "second": 43}
